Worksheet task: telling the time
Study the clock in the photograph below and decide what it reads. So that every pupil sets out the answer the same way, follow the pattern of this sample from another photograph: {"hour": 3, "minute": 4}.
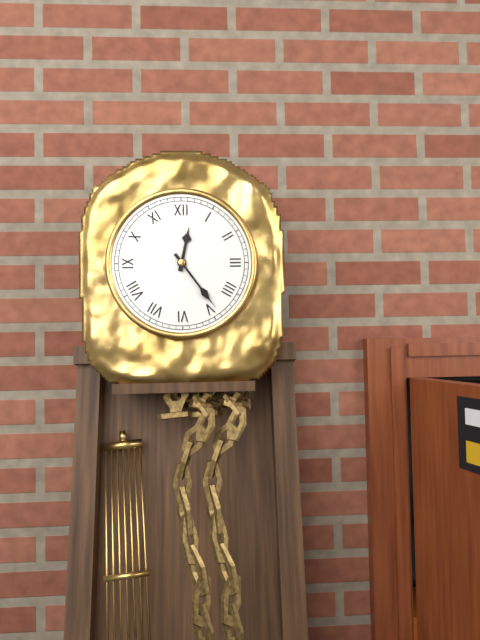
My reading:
{"hour": 12, "minute": 24}
